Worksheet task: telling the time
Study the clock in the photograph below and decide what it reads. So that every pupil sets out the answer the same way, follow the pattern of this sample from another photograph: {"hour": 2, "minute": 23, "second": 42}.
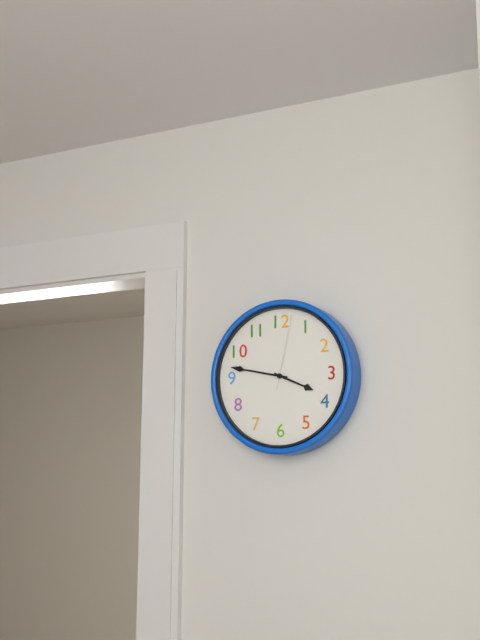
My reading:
{"hour": 3, "minute": 47, "second": 2}
